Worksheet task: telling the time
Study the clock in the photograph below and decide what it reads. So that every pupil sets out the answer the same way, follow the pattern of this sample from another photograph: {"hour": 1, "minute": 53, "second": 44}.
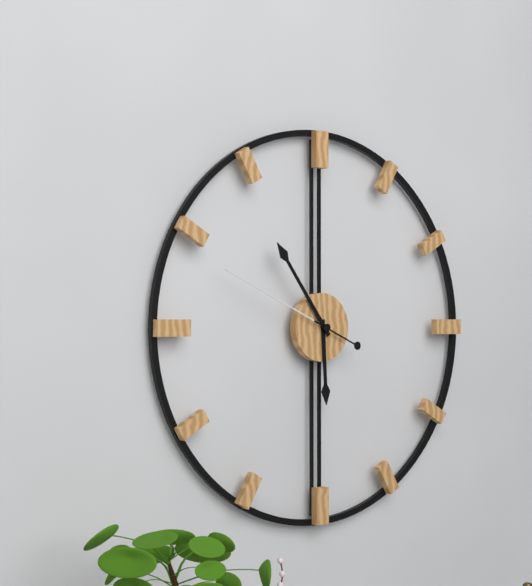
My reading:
{"hour": 5, "minute": 54, "second": 49}
